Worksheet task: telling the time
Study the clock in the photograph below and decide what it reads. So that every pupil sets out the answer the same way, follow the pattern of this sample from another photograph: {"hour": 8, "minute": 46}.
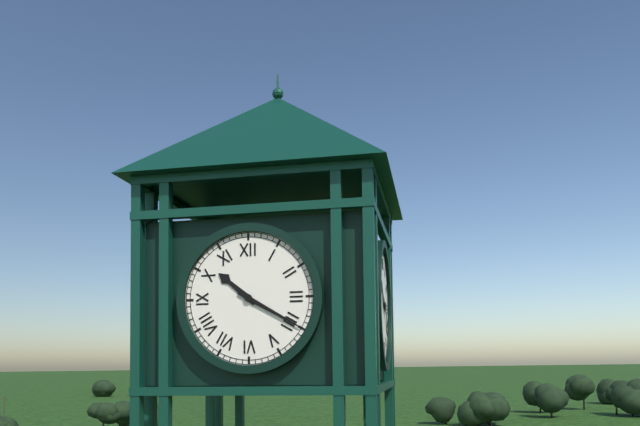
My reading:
{"hour": 10, "minute": 20}
